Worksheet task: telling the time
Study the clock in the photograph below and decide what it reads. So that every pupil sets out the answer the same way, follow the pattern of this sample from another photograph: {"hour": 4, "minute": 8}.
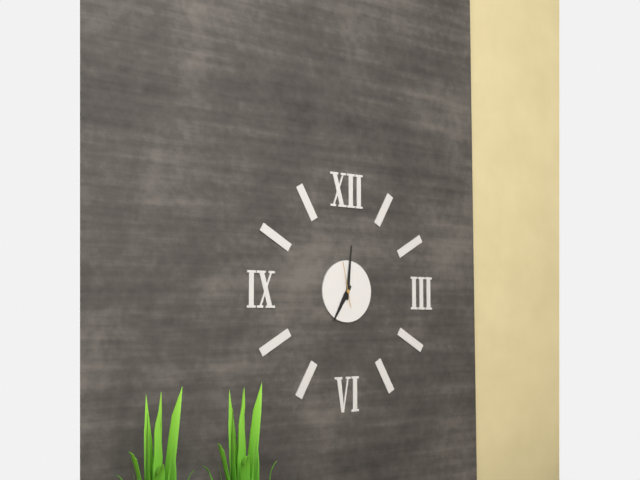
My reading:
{"hour": 7, "minute": 1}
